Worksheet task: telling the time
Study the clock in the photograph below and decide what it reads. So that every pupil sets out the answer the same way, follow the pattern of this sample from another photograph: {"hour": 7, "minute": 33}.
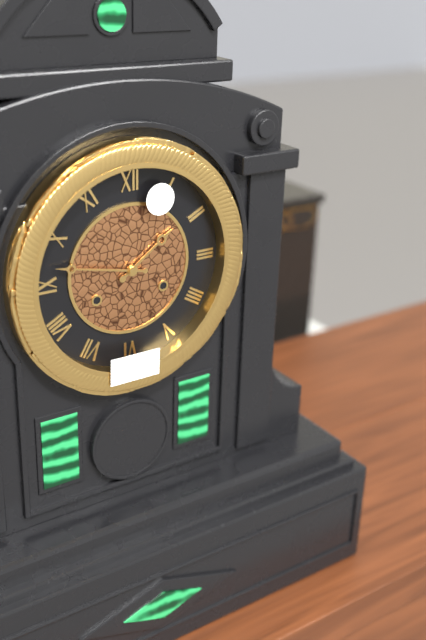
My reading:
{"hour": 1, "minute": 47}
